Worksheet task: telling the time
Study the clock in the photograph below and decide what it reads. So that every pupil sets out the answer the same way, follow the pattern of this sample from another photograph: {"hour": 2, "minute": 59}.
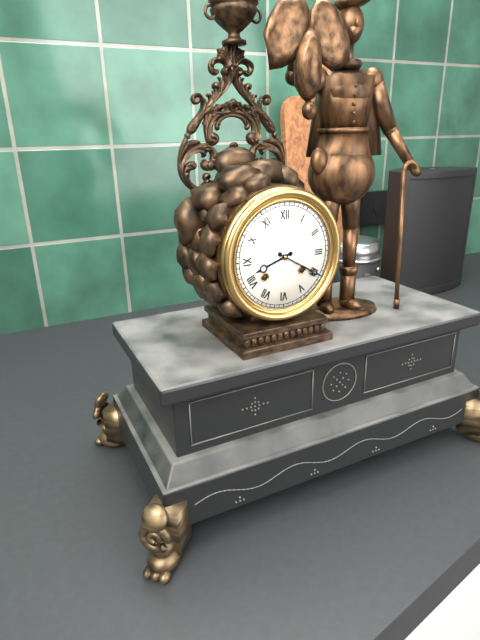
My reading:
{"hour": 8, "minute": 20}
